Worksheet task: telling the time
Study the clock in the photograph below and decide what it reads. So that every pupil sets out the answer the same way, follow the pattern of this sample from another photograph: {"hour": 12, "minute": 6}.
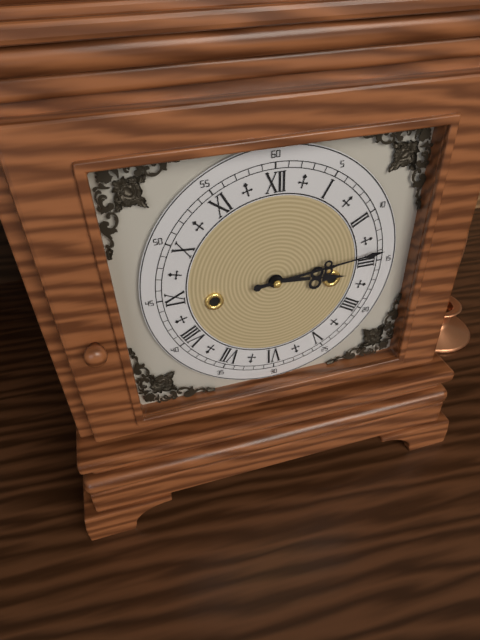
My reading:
{"hour": 3, "minute": 14}
